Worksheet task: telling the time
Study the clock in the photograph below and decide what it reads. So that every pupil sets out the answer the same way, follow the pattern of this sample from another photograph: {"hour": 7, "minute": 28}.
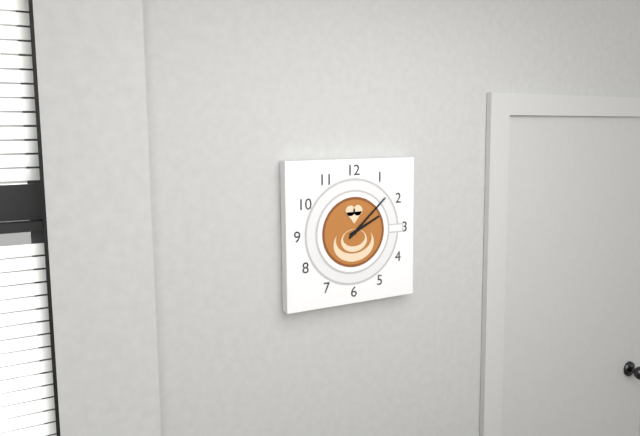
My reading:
{"hour": 2, "minute": 8}
